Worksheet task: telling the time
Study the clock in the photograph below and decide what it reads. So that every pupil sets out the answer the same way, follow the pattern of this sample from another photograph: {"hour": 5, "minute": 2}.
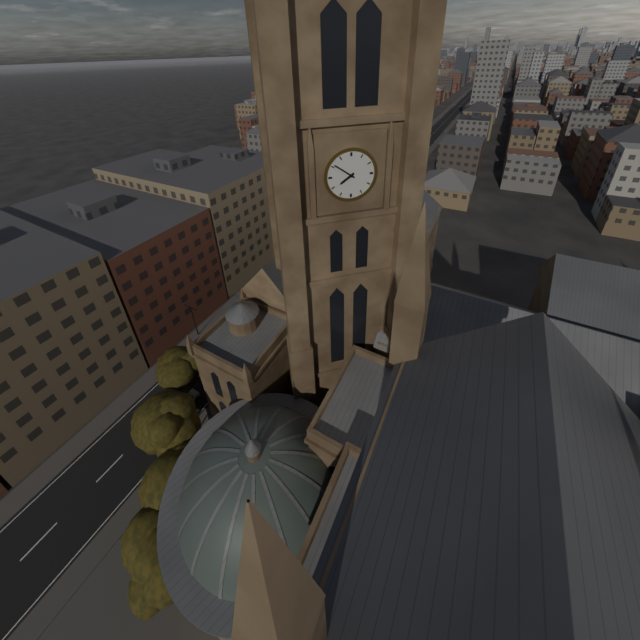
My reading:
{"hour": 7, "minute": 51}
